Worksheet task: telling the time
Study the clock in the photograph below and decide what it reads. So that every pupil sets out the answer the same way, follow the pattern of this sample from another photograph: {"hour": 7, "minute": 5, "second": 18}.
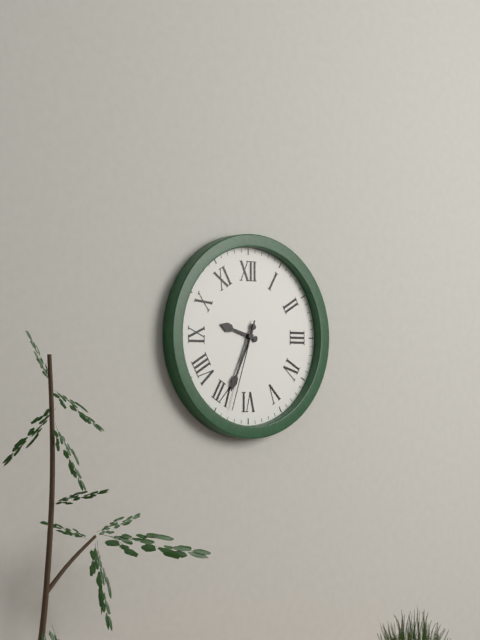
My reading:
{"hour": 9, "minute": 34, "second": 33}
